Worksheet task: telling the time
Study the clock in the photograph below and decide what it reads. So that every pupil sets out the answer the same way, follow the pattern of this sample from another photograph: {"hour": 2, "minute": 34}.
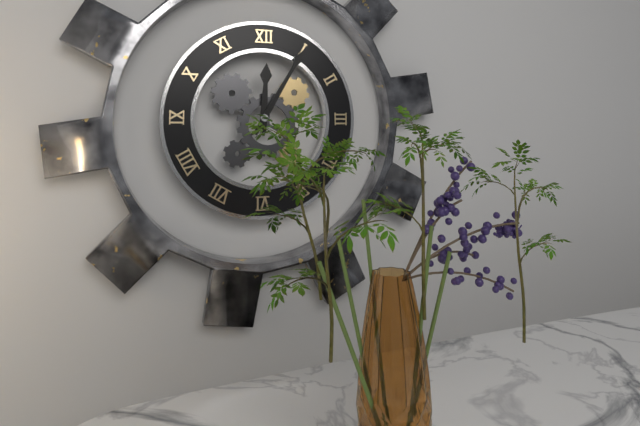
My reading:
{"hour": 12, "minute": 5}
